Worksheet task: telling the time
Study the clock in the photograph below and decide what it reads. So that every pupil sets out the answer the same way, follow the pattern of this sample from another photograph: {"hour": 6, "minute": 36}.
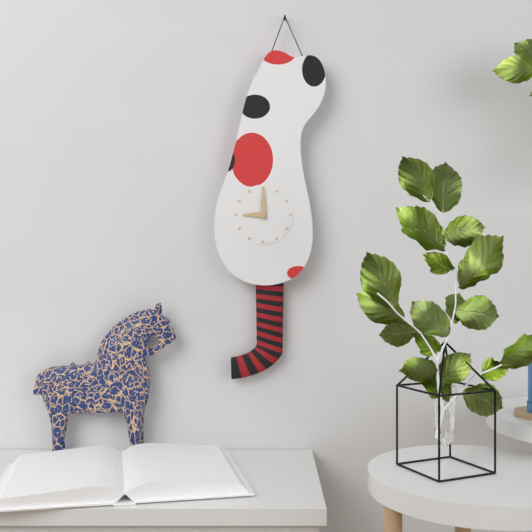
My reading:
{"hour": 9, "minute": 0}
